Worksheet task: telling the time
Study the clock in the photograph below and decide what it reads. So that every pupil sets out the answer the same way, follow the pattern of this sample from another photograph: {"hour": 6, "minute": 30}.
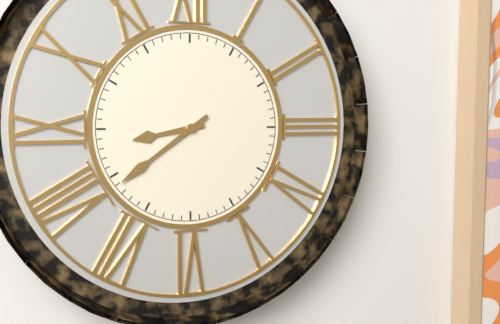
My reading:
{"hour": 8, "minute": 39}
